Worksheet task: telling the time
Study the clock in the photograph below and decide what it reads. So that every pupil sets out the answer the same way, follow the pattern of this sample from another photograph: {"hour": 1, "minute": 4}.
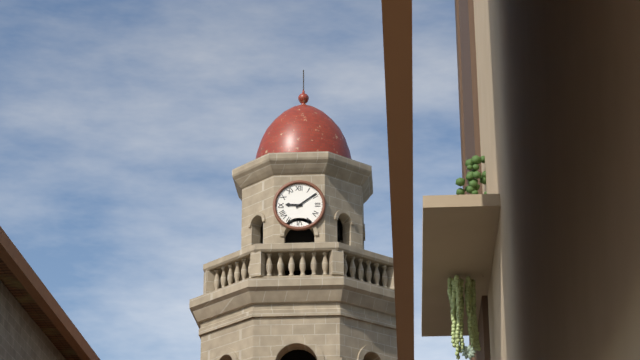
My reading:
{"hour": 9, "minute": 9}
